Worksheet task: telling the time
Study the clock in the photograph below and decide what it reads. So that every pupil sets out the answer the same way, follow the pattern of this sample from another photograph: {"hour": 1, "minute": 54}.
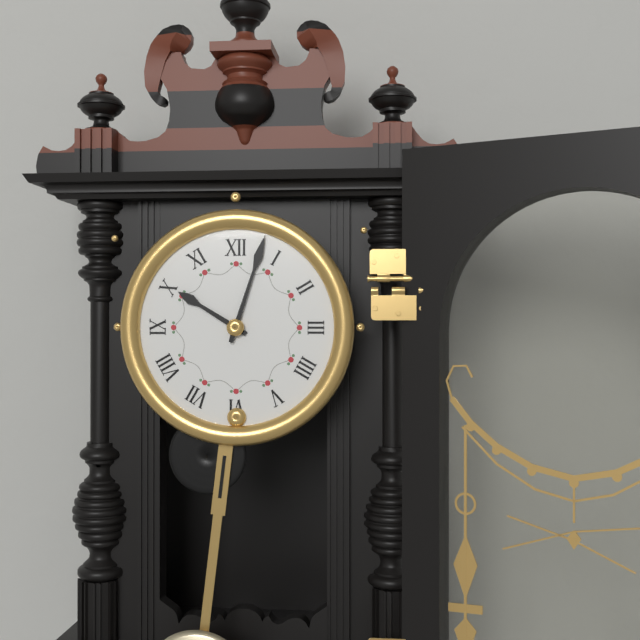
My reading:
{"hour": 10, "minute": 3}
